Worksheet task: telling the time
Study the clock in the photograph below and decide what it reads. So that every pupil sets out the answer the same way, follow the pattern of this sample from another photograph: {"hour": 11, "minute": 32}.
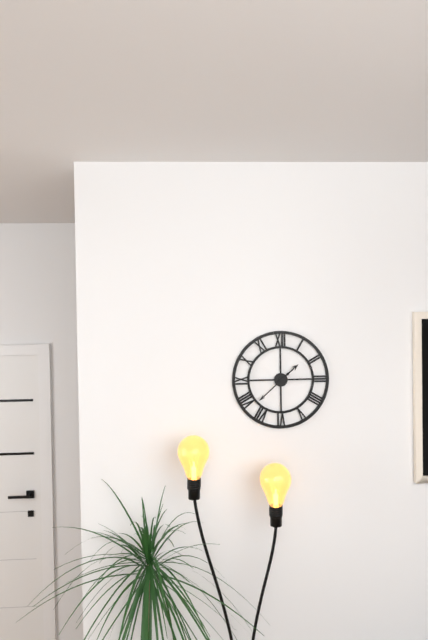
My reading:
{"hour": 1, "minute": 38}
